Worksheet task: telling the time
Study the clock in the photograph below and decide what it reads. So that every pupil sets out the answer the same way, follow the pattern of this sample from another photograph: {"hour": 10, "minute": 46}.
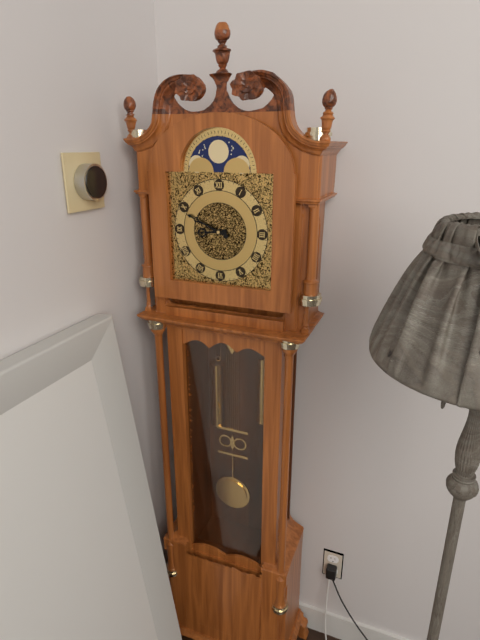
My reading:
{"hour": 8, "minute": 49}
